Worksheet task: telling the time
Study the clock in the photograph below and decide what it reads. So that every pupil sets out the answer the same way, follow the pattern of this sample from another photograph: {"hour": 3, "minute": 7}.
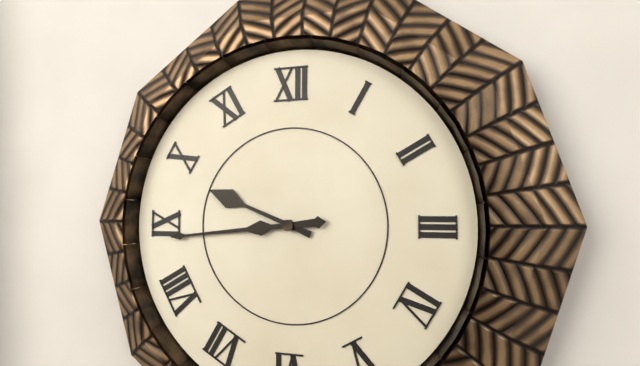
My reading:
{"hour": 9, "minute": 44}
